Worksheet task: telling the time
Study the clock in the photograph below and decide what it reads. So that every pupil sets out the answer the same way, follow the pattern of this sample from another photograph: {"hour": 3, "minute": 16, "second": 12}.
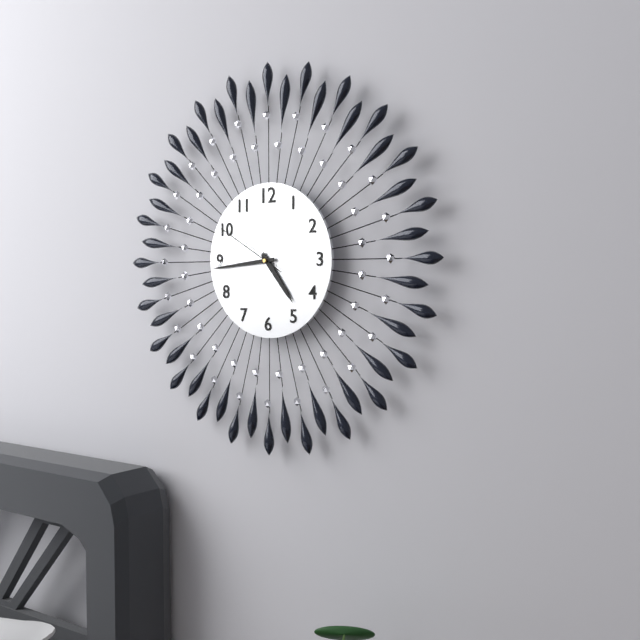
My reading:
{"hour": 4, "minute": 44, "second": 50}
